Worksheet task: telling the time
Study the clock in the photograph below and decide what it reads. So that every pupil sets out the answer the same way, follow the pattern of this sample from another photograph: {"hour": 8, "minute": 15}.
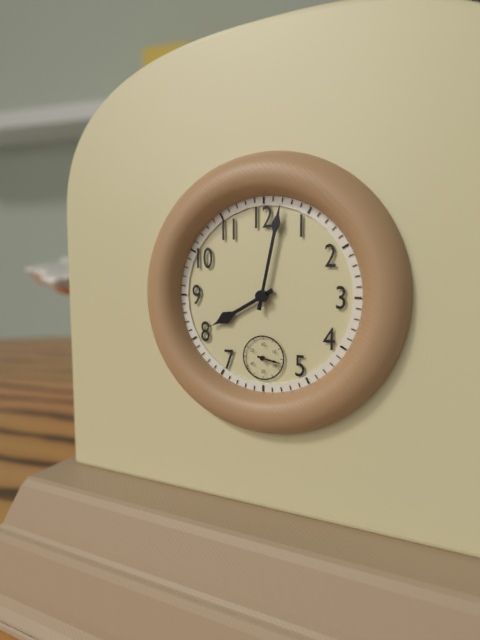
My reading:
{"hour": 8, "minute": 2}
